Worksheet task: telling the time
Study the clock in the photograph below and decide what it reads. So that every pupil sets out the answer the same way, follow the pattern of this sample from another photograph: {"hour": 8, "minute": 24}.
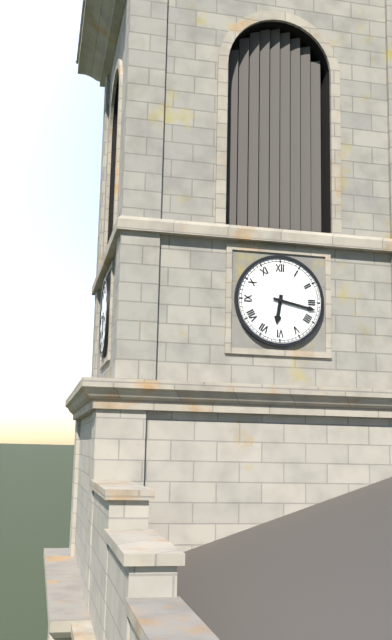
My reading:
{"hour": 6, "minute": 17}
